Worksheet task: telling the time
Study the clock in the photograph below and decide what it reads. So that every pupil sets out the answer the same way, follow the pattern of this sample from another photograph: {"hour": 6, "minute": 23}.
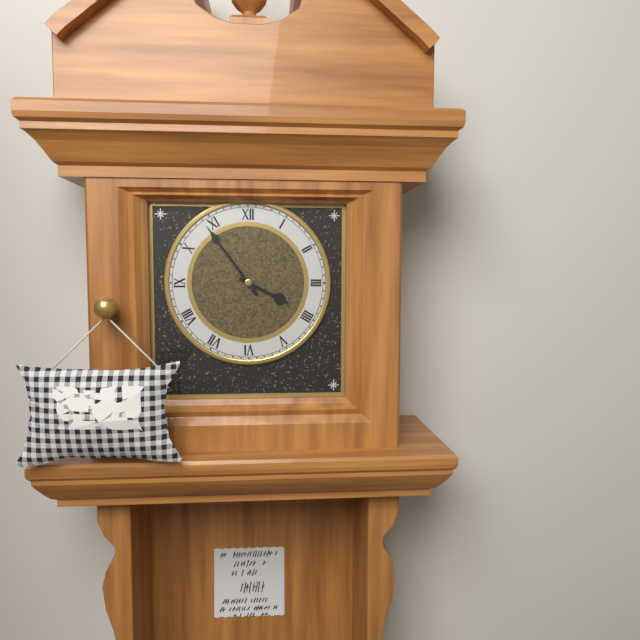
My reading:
{"hour": 3, "minute": 54}
